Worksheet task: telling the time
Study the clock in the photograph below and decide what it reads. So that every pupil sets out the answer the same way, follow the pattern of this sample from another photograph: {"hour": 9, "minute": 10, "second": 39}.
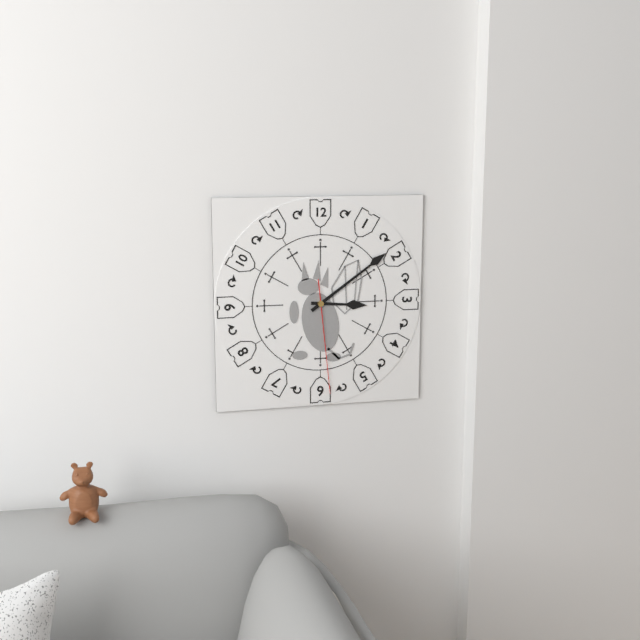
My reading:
{"hour": 3, "minute": 9, "second": 29}
